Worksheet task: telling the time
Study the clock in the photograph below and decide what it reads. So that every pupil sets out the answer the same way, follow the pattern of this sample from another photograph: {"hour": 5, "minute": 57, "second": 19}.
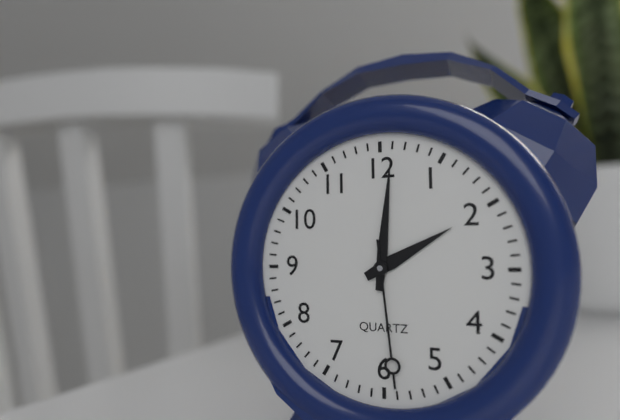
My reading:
{"hour": 2, "minute": 1, "second": 29}
